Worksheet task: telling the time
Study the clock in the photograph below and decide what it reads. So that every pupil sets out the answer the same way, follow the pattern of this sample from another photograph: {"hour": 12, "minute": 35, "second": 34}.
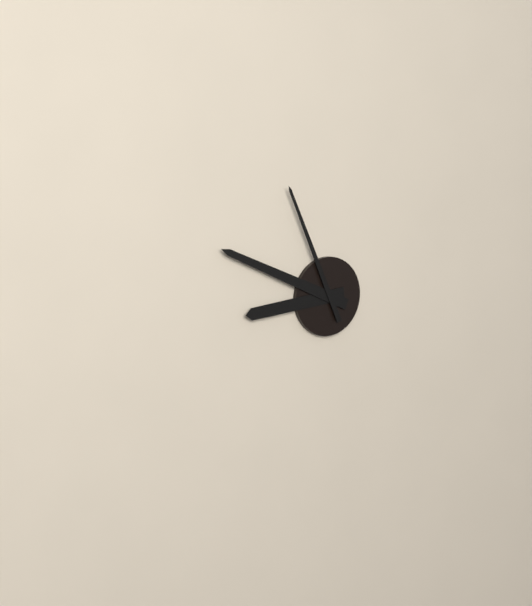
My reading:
{"hour": 8, "minute": 49, "second": 56}
